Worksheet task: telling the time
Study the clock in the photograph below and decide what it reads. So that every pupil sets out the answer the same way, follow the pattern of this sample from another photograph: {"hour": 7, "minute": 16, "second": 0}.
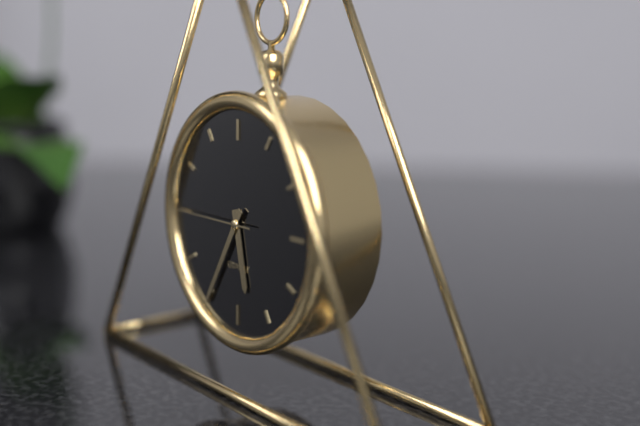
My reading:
{"hour": 5, "minute": 35, "second": 45}
